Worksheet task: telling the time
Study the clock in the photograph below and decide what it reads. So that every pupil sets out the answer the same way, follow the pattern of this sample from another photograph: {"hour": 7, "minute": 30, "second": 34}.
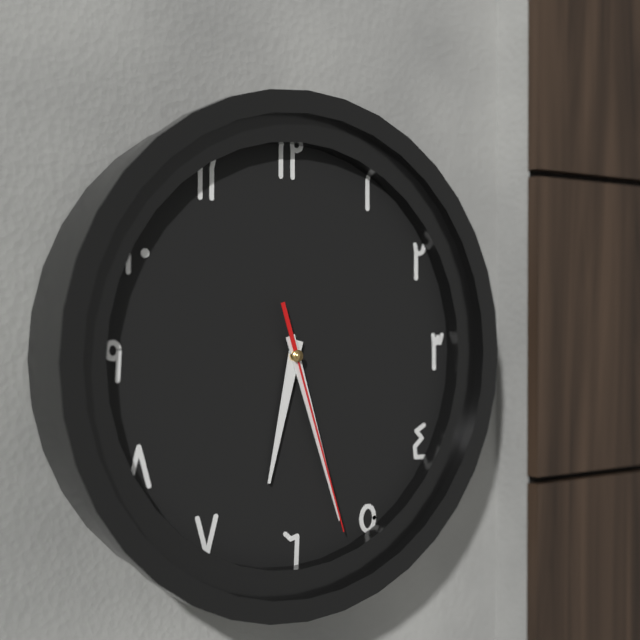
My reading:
{"hour": 6, "minute": 27, "second": 27}
